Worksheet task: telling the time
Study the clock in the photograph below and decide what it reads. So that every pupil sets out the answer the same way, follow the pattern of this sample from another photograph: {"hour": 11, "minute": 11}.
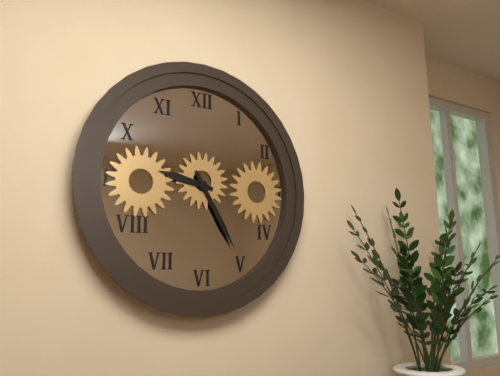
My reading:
{"hour": 9, "minute": 25}
